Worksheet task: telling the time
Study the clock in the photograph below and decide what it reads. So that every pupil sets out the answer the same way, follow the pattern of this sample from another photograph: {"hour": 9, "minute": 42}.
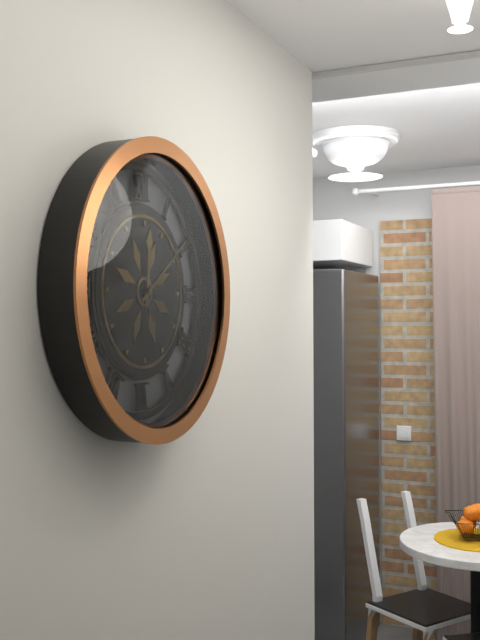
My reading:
{"hour": 12, "minute": 9}
